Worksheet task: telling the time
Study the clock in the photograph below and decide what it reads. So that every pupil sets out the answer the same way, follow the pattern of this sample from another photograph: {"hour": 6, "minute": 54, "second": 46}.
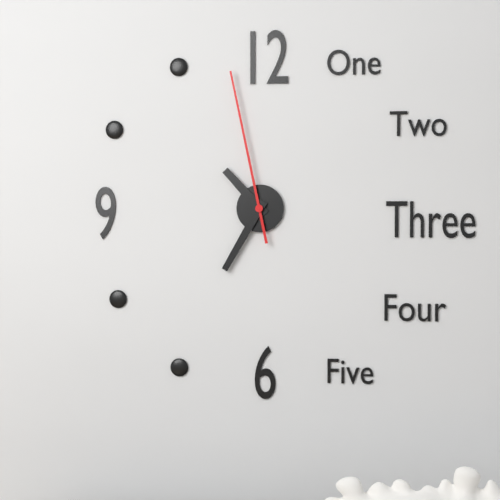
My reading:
{"hour": 10, "minute": 35, "second": 58}
